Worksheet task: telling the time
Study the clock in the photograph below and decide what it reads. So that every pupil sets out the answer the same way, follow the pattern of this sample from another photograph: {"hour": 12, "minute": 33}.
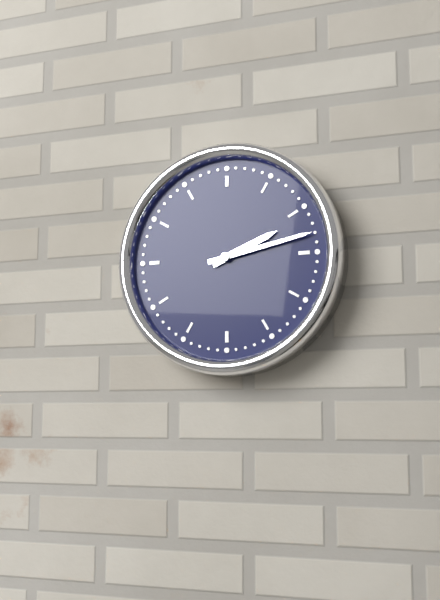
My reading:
{"hour": 2, "minute": 13}
